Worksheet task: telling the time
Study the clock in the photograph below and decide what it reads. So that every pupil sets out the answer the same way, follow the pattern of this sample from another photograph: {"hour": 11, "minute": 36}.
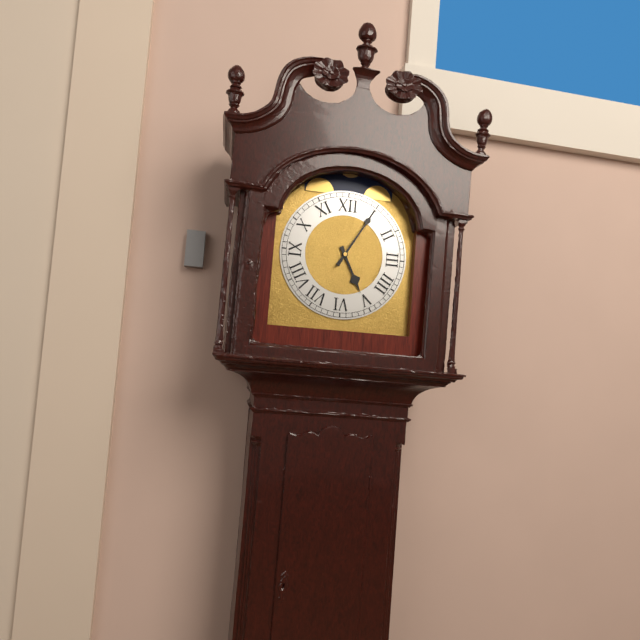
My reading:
{"hour": 5, "minute": 5}
